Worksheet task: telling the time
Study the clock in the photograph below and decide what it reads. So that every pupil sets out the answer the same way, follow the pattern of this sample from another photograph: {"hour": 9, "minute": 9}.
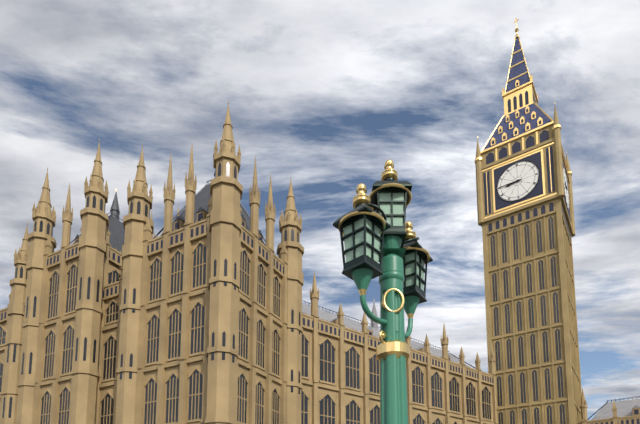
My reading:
{"hour": 8, "minute": 45}
